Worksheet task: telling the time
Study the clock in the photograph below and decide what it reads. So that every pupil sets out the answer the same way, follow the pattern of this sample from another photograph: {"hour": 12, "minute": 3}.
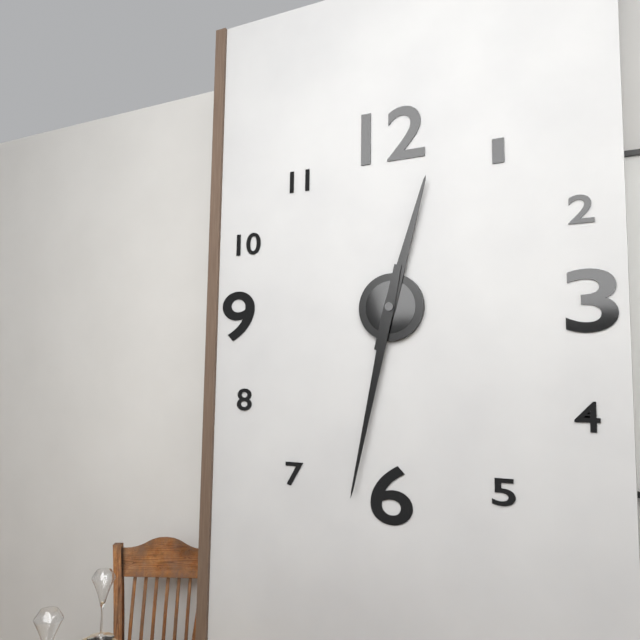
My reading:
{"hour": 12, "minute": 32}
